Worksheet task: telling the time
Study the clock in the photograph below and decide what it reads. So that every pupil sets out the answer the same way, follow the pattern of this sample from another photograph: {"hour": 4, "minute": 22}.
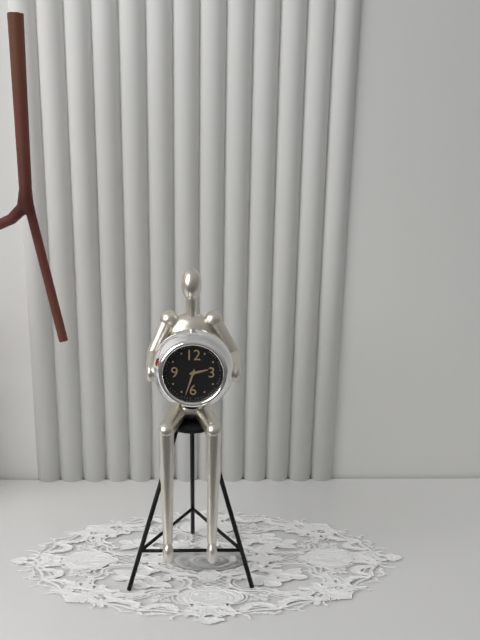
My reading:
{"hour": 2, "minute": 33}
